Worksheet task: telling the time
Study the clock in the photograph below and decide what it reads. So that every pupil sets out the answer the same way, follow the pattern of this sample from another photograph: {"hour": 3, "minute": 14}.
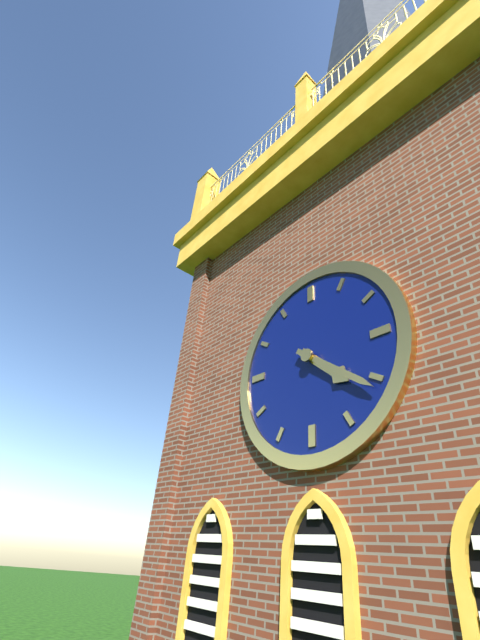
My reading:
{"hour": 4, "minute": 21}
